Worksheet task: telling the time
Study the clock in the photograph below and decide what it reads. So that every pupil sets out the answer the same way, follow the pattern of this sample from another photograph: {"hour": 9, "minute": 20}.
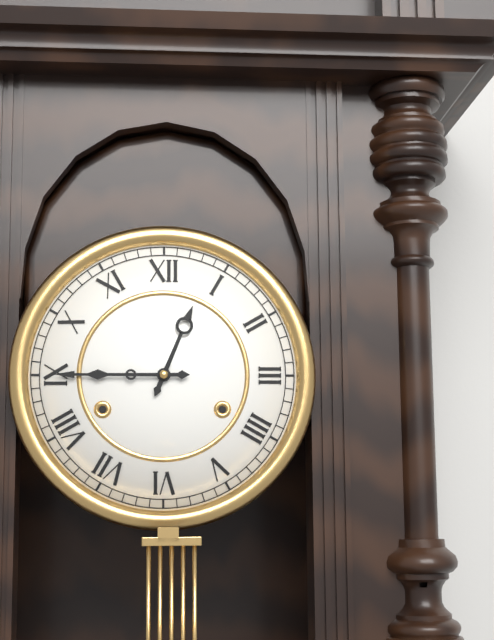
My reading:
{"hour": 12, "minute": 45}
